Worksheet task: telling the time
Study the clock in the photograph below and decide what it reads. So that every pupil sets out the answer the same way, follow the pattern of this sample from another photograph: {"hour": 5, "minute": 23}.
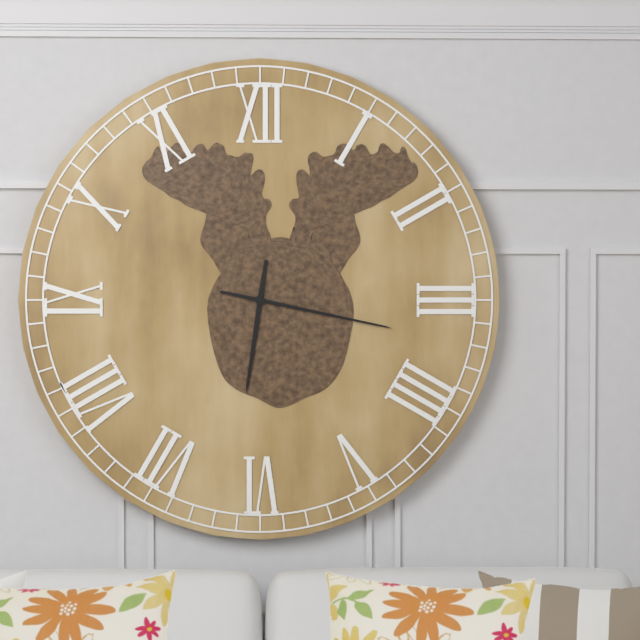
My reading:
{"hour": 6, "minute": 17}
